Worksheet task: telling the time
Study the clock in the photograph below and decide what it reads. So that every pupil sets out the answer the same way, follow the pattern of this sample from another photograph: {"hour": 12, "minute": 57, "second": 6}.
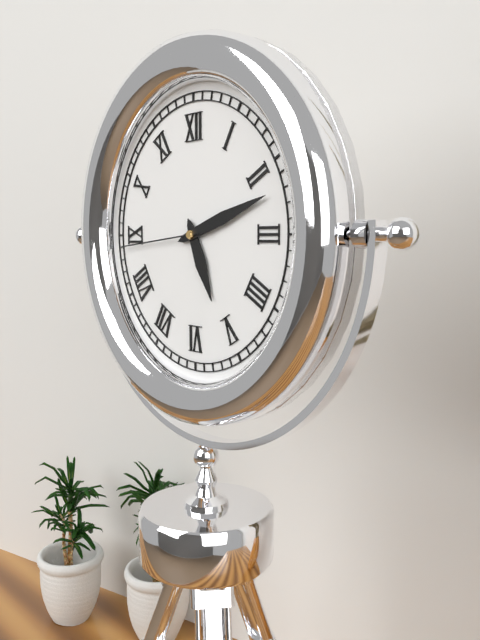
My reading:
{"hour": 5, "minute": 12, "second": 44}
